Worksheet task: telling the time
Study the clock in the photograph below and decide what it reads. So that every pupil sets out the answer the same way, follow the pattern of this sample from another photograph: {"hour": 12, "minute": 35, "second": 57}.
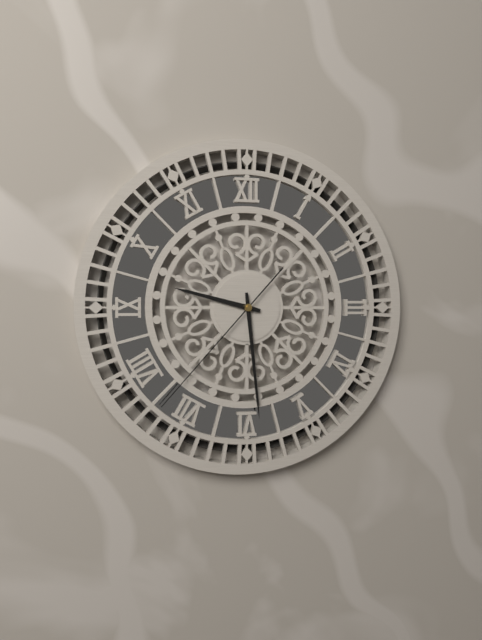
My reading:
{"hour": 9, "minute": 29, "second": 37}
